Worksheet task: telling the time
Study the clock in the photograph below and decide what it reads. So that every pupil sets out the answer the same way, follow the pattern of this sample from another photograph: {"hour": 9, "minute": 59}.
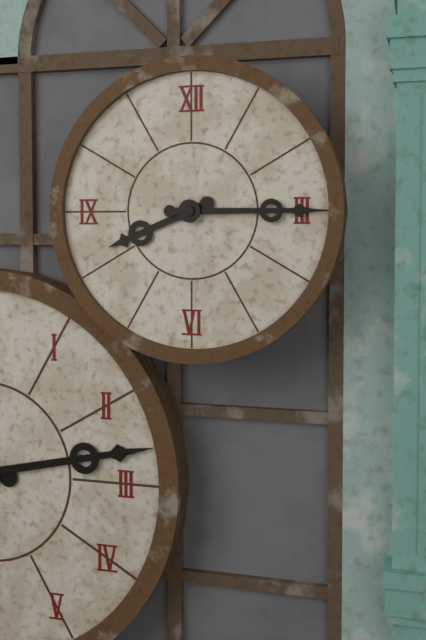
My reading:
{"hour": 8, "minute": 15}
